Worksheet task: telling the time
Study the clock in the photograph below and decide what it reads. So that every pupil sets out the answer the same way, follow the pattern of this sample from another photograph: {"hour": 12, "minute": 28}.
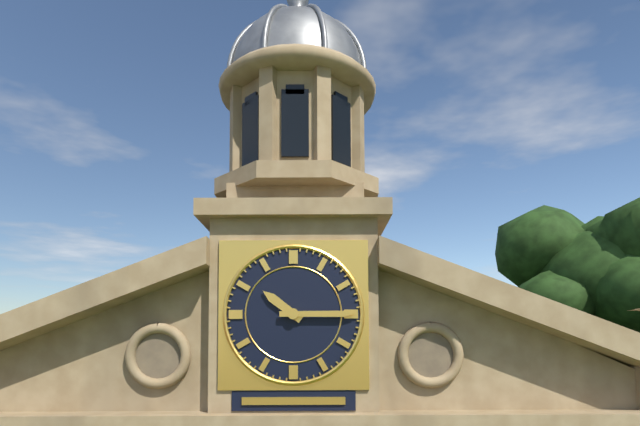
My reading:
{"hour": 10, "minute": 15}
